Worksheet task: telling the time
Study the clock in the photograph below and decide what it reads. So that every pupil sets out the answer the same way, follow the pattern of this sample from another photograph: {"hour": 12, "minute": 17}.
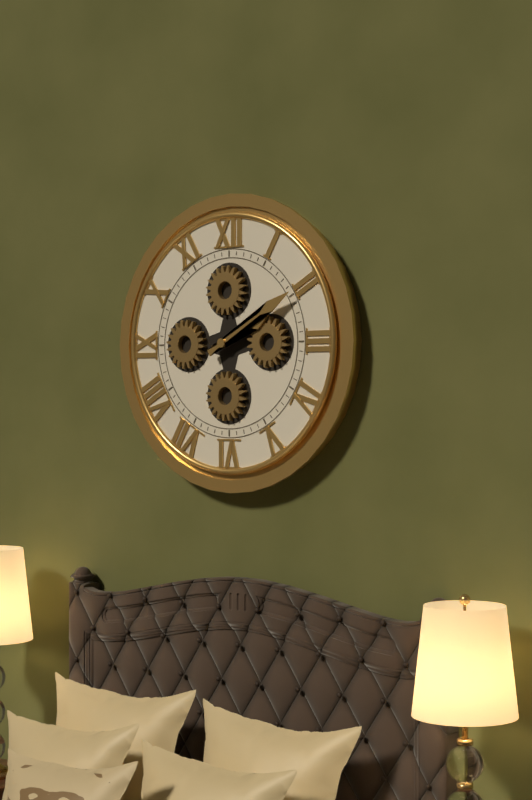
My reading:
{"hour": 2, "minute": 10}
